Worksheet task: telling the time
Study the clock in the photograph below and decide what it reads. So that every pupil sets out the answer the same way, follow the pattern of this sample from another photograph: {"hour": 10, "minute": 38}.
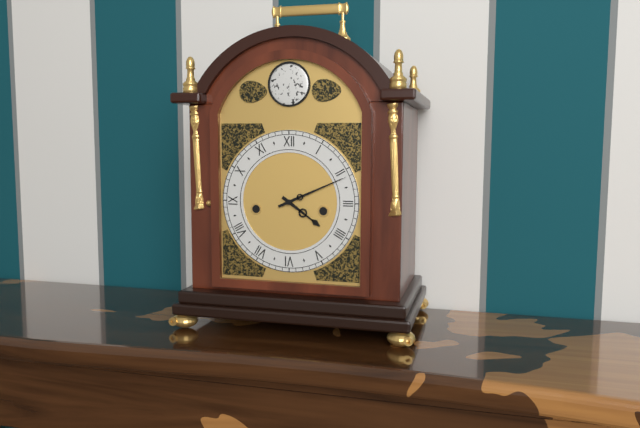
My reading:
{"hour": 4, "minute": 11}
